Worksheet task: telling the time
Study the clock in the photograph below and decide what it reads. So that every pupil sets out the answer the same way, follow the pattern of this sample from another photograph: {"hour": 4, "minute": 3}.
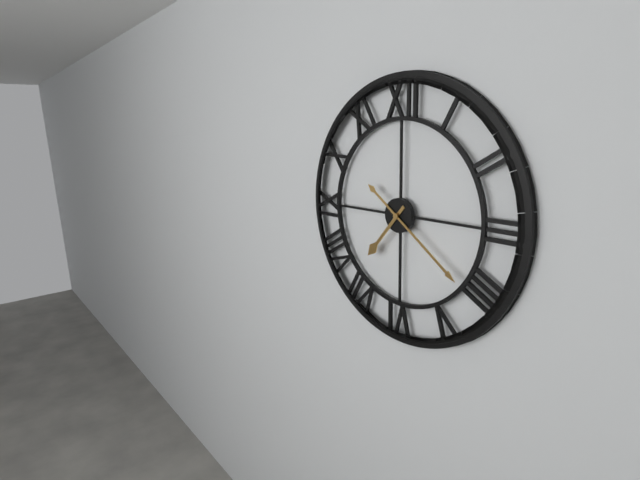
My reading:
{"hour": 7, "minute": 21}
